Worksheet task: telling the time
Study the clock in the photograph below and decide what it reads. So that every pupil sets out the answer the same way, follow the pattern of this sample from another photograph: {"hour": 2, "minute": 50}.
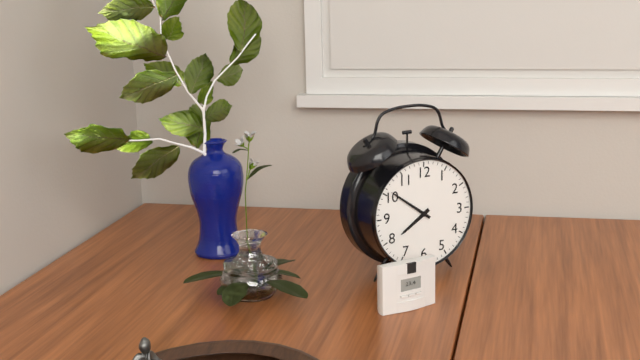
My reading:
{"hour": 7, "minute": 51}
